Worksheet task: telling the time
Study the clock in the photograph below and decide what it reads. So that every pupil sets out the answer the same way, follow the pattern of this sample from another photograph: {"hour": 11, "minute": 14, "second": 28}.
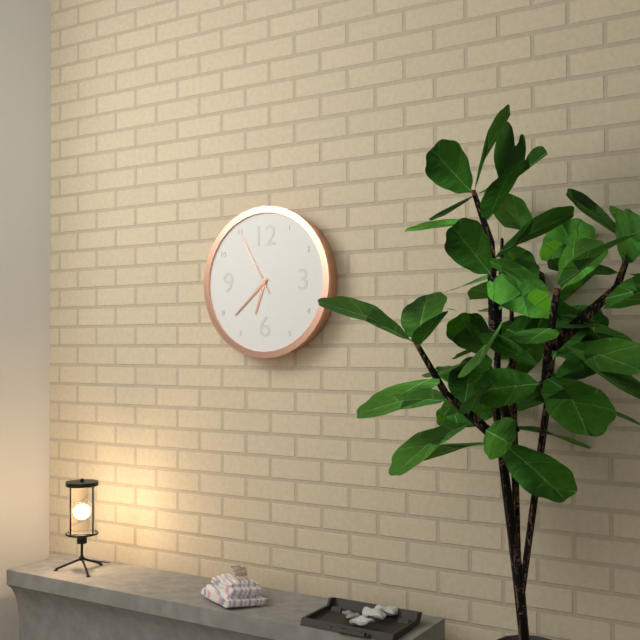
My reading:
{"hour": 6, "minute": 38, "second": 55}
